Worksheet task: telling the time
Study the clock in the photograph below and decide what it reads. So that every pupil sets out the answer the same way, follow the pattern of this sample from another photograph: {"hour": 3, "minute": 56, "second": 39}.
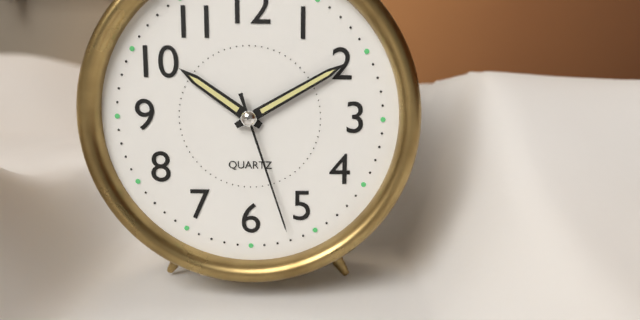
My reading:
{"hour": 10, "minute": 10, "second": 27}
